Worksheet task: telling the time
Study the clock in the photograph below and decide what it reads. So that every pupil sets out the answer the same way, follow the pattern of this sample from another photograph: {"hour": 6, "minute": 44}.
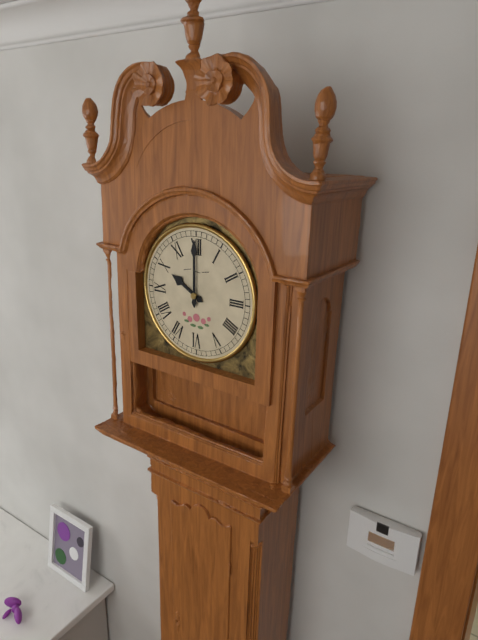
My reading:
{"hour": 10, "minute": 0}
